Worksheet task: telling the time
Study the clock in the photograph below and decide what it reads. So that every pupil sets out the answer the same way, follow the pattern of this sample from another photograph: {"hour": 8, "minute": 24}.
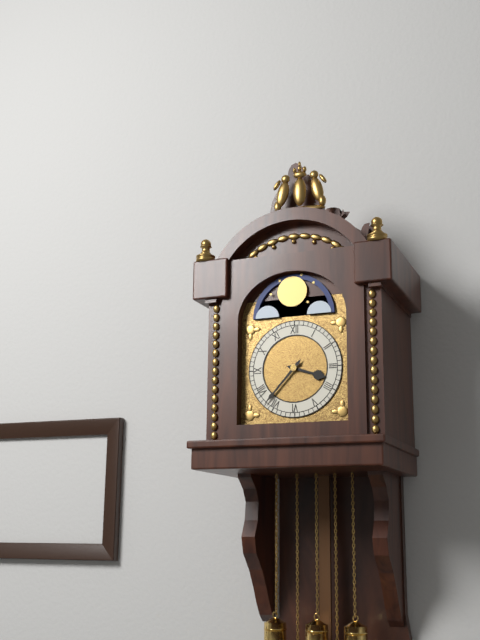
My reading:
{"hour": 3, "minute": 37}
